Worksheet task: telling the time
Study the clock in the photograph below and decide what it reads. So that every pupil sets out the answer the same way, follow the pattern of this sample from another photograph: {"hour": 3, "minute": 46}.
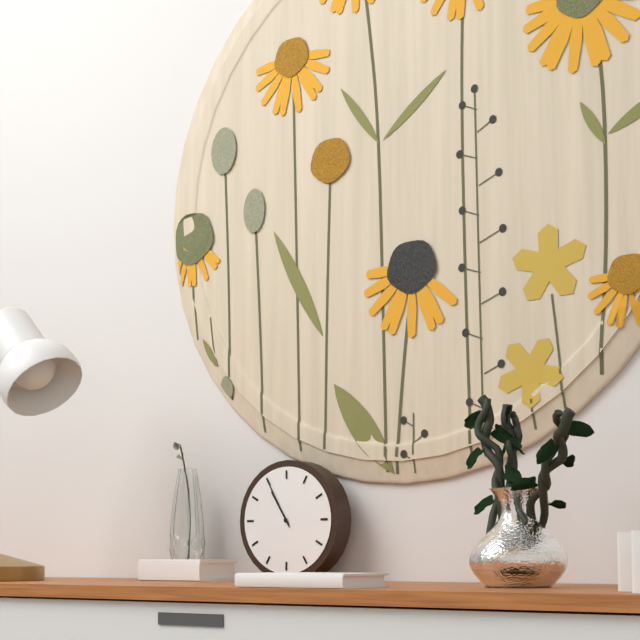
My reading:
{"hour": 10, "minute": 55}
